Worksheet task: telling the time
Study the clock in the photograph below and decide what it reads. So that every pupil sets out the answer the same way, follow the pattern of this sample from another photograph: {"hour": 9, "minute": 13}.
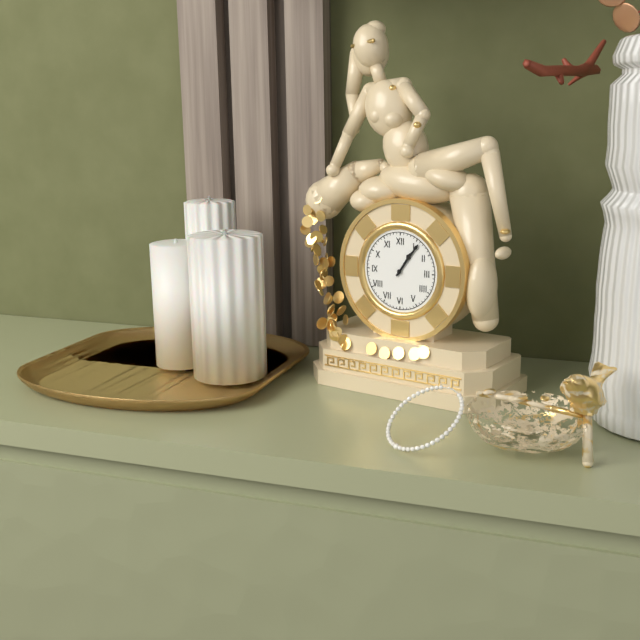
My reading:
{"hour": 1, "minute": 6}
